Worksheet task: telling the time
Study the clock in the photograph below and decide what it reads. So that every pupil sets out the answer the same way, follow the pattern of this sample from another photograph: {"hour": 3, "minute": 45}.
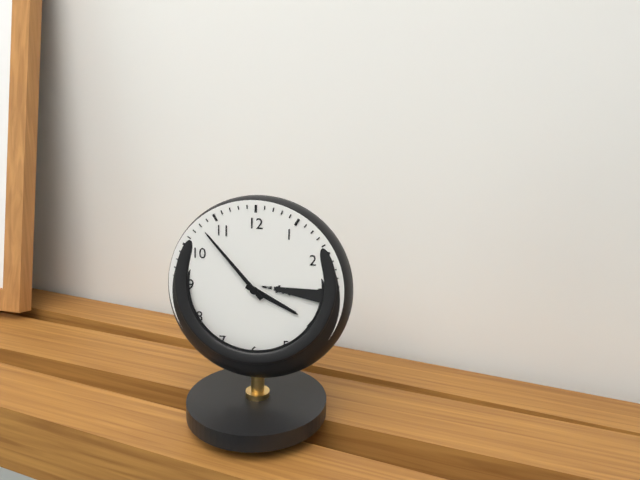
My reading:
{"hour": 3, "minute": 53}
